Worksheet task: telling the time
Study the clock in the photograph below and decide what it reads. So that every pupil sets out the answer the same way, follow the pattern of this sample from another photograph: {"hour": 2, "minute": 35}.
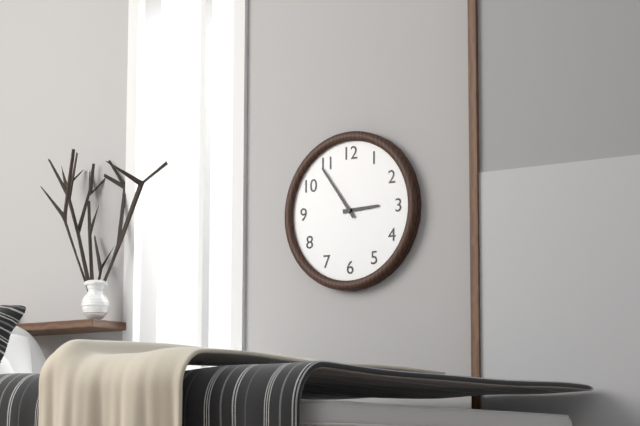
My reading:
{"hour": 2, "minute": 54}
